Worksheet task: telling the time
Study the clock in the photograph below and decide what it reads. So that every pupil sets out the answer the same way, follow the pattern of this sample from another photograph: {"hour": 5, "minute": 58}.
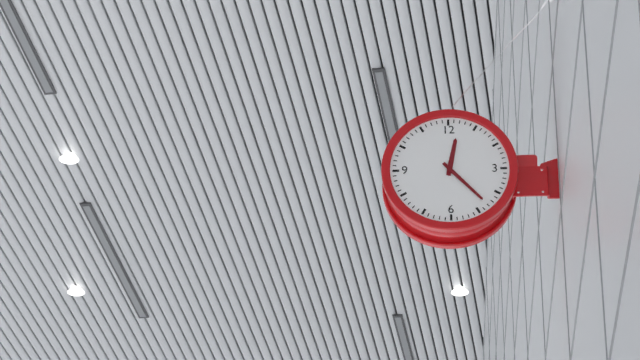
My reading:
{"hour": 12, "minute": 23}
